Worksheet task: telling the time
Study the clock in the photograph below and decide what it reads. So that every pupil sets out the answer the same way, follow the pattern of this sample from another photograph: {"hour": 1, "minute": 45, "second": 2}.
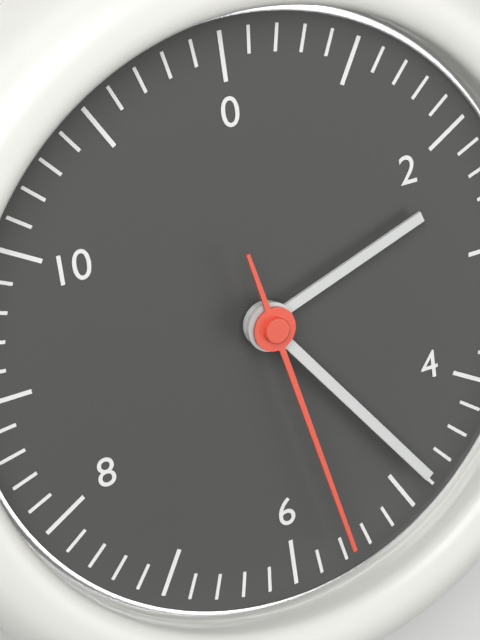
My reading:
{"hour": 2, "minute": 24, "second": 28}
